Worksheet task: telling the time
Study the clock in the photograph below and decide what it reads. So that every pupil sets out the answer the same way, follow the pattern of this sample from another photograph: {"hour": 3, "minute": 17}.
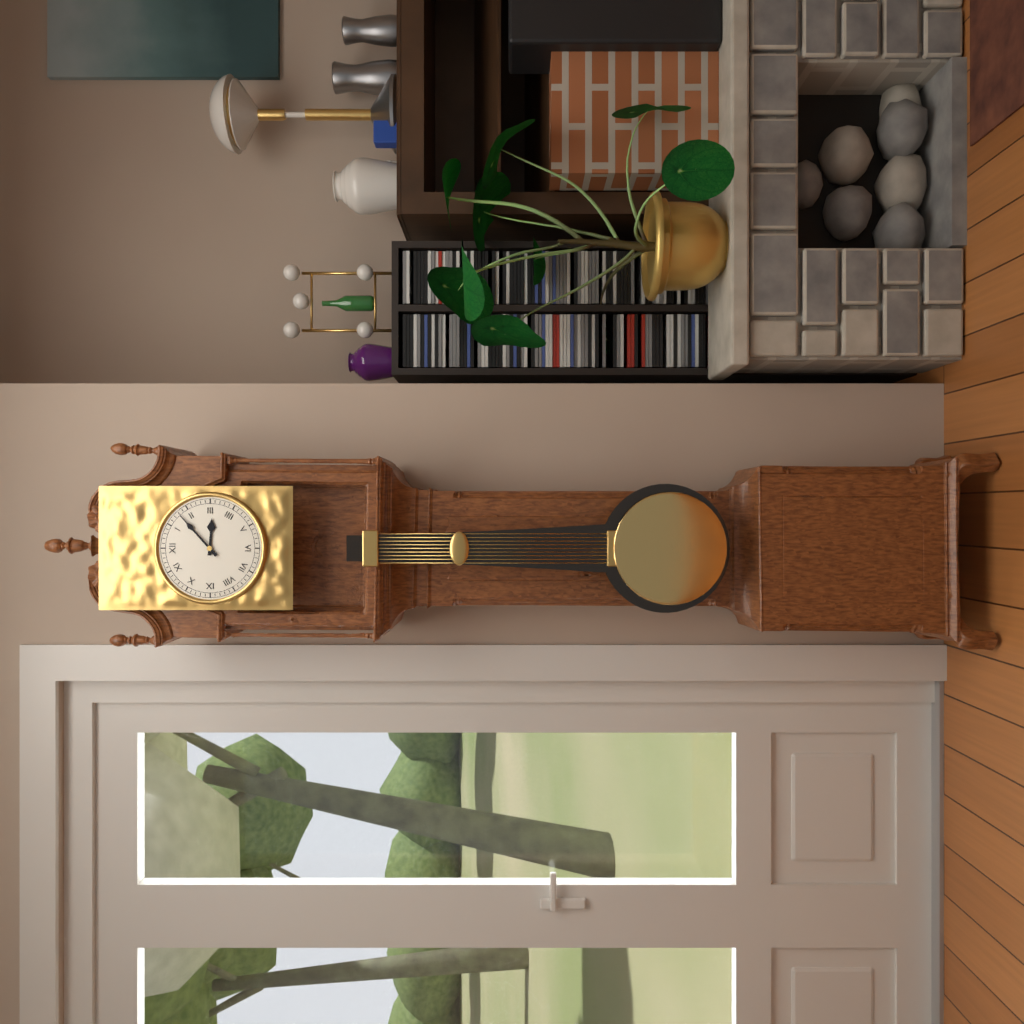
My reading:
{"hour": 3, "minute": 8}
